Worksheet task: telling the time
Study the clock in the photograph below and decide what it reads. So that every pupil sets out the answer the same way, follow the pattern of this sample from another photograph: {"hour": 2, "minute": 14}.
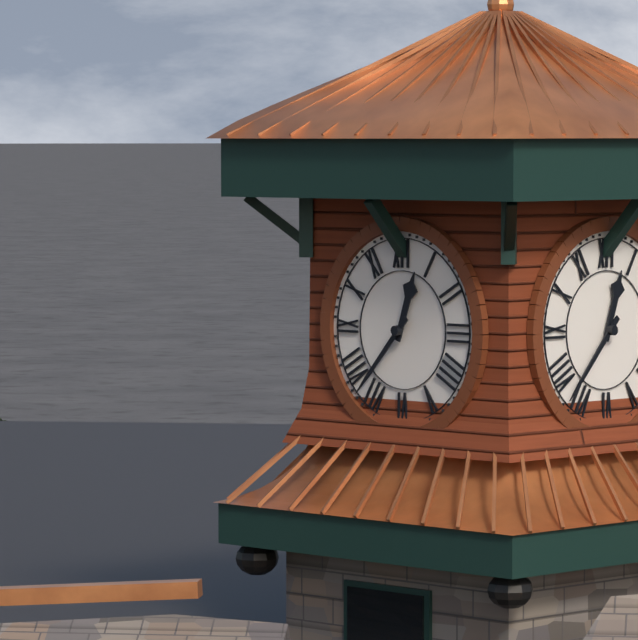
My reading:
{"hour": 12, "minute": 37}
